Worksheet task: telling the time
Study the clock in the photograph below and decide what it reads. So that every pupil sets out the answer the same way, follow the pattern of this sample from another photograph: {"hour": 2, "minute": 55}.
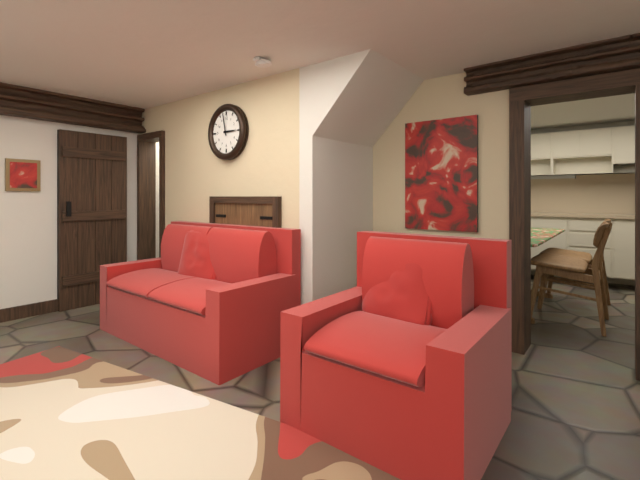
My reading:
{"hour": 2, "minute": 58}
